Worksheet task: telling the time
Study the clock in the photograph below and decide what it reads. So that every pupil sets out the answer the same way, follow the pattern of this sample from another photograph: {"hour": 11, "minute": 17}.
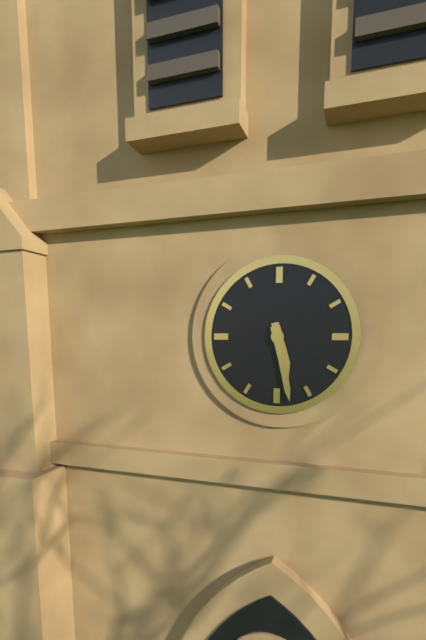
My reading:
{"hour": 5, "minute": 28}
